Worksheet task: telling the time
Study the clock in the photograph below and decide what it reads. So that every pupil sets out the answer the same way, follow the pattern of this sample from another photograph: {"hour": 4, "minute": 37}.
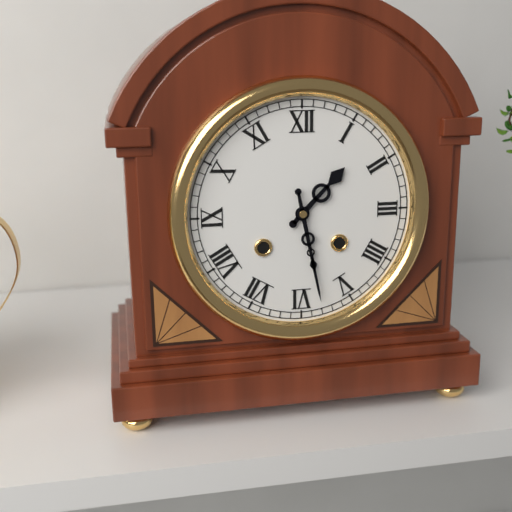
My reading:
{"hour": 1, "minute": 28}
